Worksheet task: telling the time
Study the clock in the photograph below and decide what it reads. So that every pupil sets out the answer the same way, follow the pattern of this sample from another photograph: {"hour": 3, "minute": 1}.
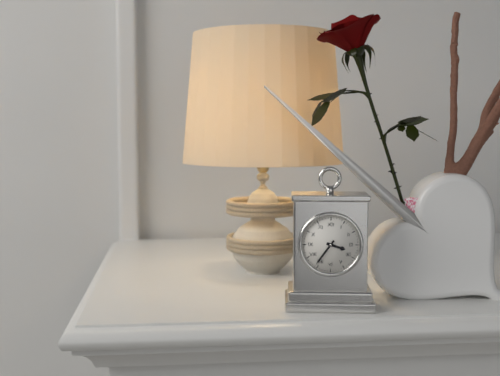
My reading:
{"hour": 3, "minute": 36}
